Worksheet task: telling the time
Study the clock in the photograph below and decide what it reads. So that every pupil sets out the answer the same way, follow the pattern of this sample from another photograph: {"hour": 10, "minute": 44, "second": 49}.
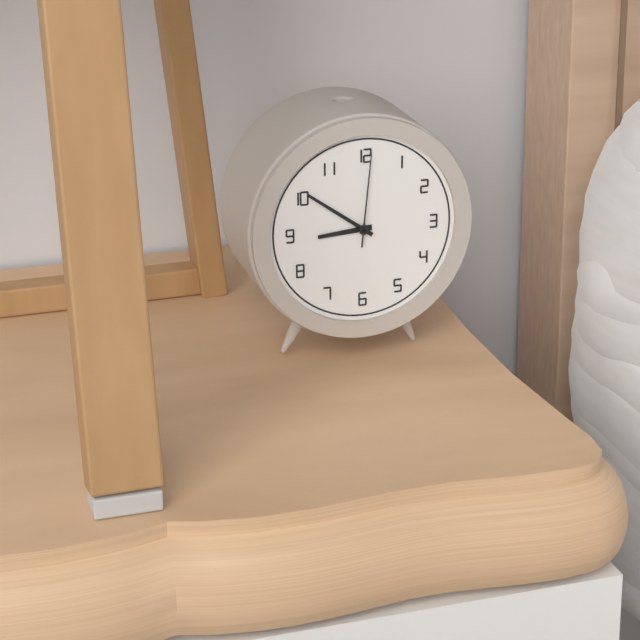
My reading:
{"hour": 8, "minute": 51, "second": 1}
